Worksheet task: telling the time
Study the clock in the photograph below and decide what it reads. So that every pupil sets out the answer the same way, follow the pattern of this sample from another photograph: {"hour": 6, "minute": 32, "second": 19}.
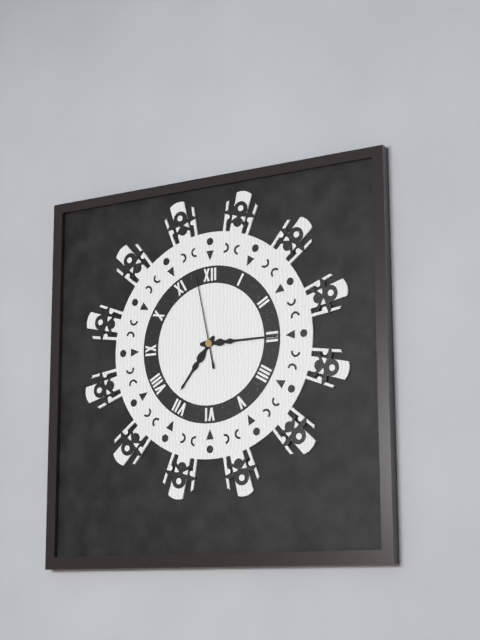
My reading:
{"hour": 7, "minute": 15, "second": 58}
